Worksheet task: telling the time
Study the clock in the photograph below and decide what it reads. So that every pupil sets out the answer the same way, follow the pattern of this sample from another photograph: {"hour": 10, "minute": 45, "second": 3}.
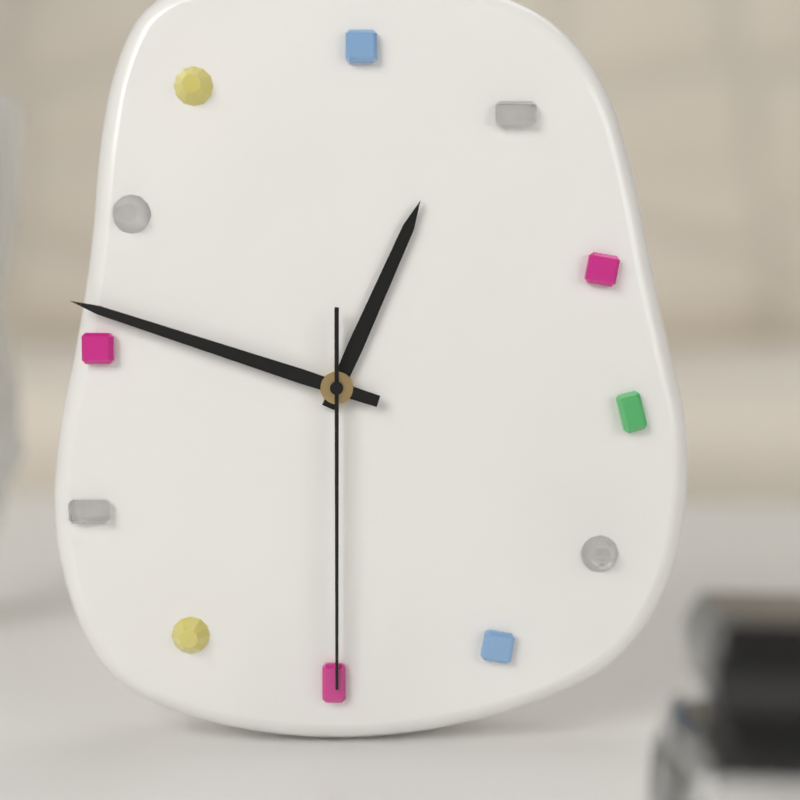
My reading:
{"hour": 12, "minute": 48, "second": 30}
